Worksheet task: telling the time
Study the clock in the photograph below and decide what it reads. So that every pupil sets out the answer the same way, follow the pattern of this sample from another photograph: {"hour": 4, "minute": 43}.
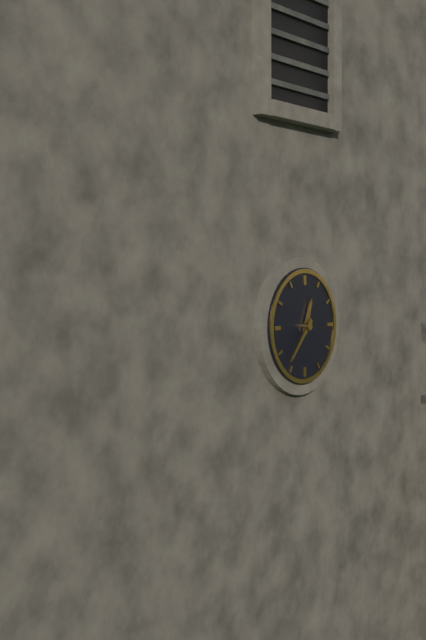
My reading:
{"hour": 12, "minute": 37}
